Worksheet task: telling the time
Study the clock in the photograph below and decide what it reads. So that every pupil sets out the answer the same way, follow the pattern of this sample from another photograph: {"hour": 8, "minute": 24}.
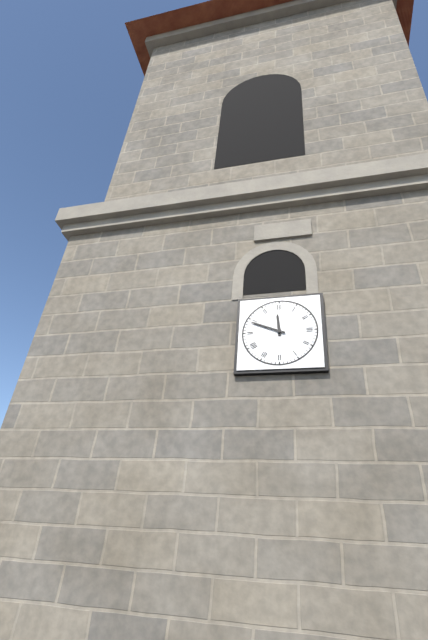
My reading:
{"hour": 11, "minute": 49}
